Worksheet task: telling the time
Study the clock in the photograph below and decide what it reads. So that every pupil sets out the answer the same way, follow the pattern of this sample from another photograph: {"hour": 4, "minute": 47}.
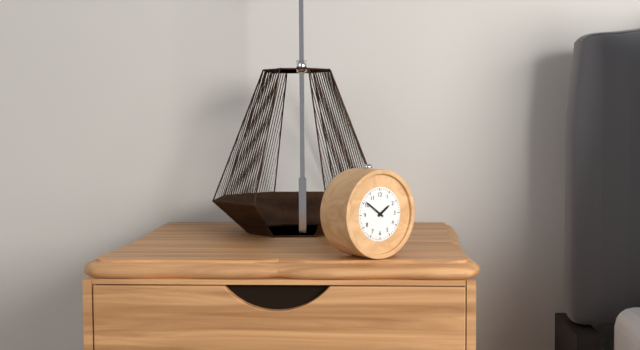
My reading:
{"hour": 1, "minute": 51}
